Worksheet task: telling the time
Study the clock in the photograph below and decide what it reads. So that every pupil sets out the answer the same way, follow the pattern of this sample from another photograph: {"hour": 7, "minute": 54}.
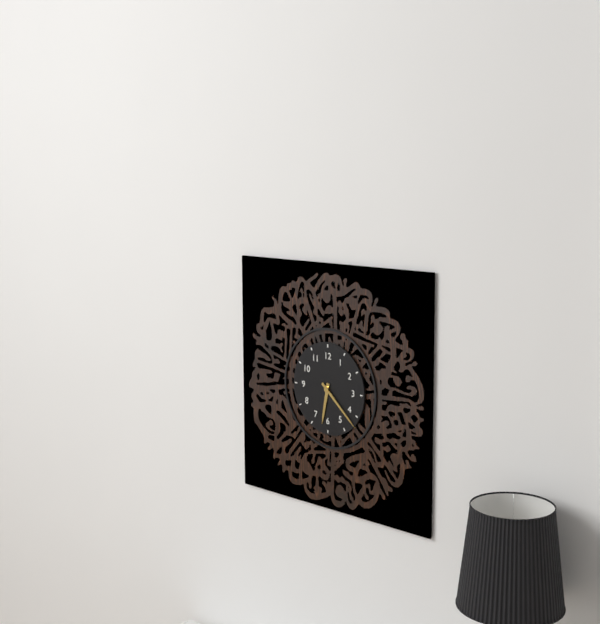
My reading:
{"hour": 6, "minute": 22}
